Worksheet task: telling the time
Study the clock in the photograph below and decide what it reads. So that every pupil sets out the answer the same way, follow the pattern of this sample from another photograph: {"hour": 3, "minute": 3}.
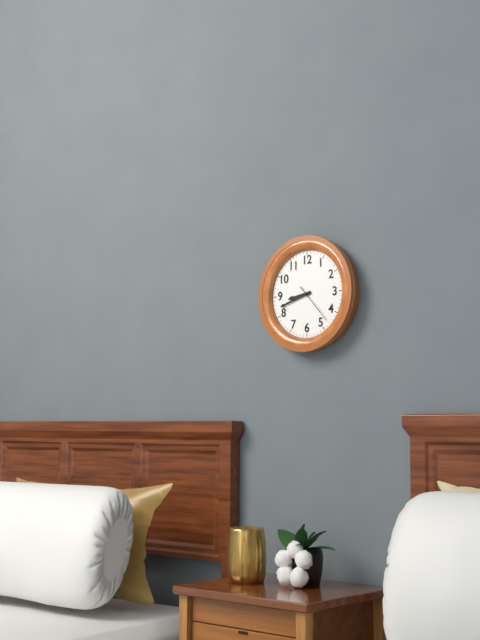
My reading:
{"hour": 8, "minute": 42}
